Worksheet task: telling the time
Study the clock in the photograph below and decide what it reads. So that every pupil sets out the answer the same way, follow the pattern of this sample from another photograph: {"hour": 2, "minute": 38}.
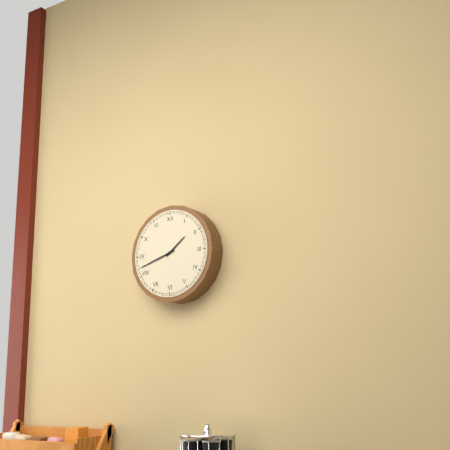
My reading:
{"hour": 1, "minute": 42}
